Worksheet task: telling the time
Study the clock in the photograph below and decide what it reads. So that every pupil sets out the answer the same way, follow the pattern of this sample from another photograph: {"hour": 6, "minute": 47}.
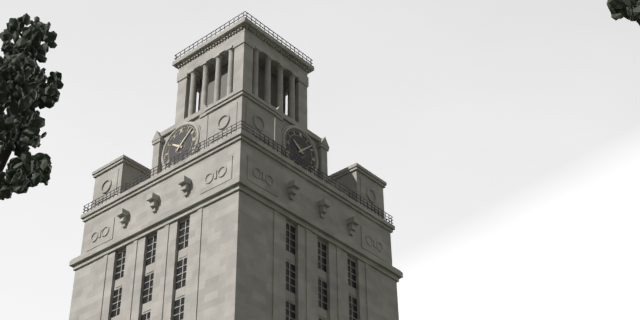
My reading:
{"hour": 10, "minute": 8}
